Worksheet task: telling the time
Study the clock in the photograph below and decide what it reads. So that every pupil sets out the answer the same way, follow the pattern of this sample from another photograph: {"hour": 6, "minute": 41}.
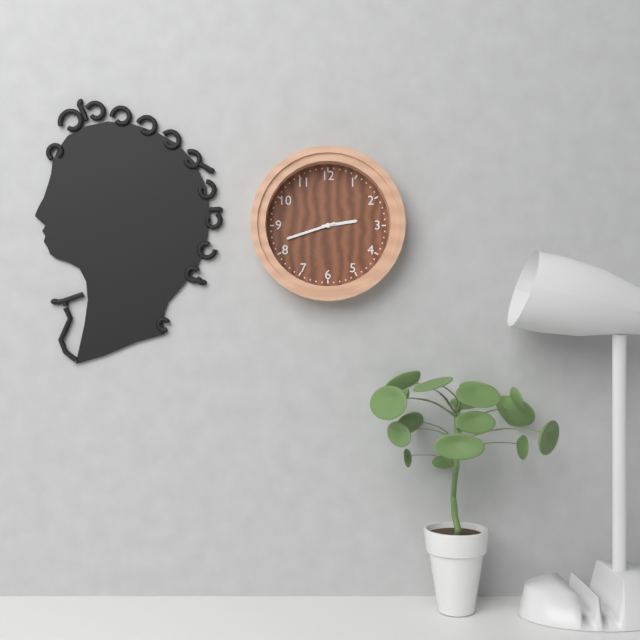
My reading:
{"hour": 2, "minute": 42}
